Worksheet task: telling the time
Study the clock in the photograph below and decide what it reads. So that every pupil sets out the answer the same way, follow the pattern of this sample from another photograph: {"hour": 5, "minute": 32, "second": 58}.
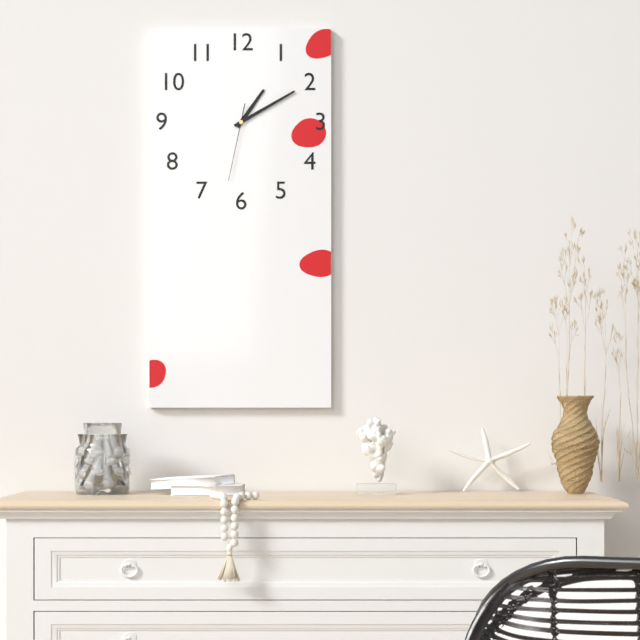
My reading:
{"hour": 1, "minute": 10, "second": 32}
